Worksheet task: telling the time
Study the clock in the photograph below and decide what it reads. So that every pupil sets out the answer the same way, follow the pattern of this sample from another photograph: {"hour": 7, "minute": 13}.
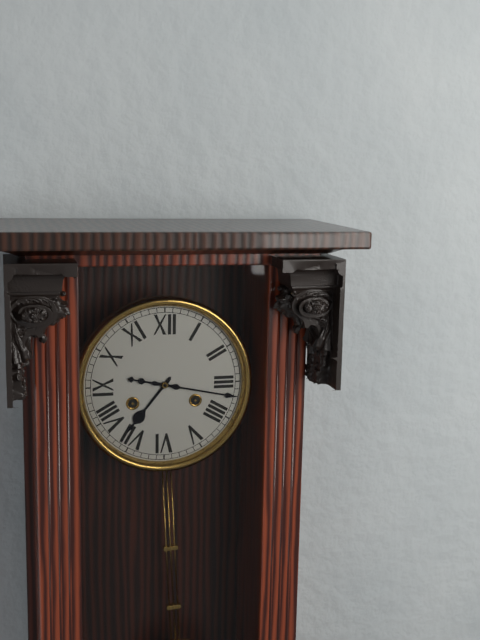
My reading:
{"hour": 7, "minute": 17}
